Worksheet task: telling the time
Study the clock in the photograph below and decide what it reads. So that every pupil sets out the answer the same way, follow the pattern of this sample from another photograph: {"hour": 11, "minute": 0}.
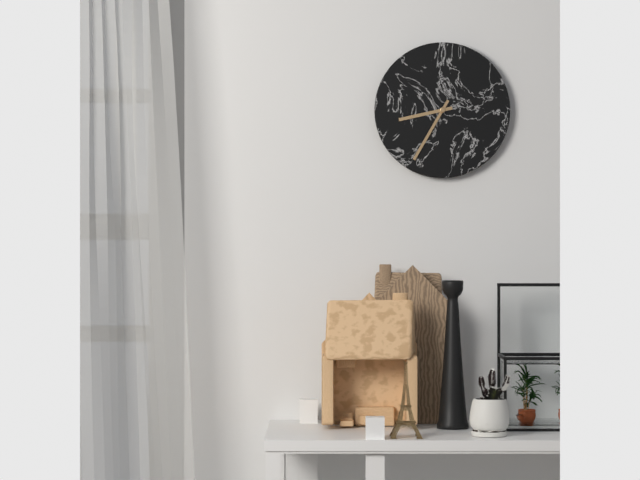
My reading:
{"hour": 8, "minute": 35}
